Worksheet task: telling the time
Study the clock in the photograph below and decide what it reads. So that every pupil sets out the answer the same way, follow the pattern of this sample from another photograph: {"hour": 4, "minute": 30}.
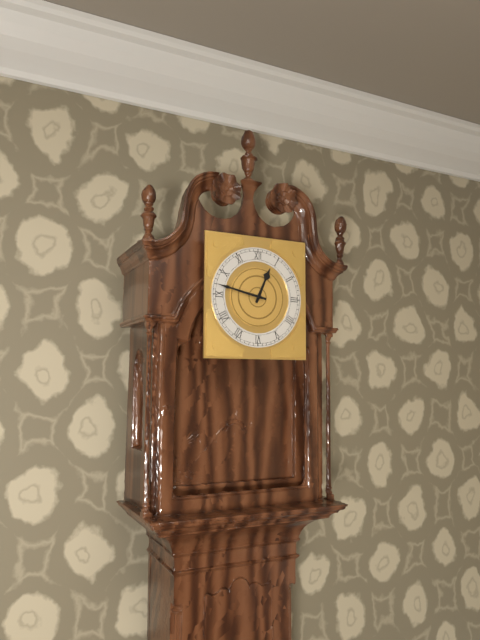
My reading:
{"hour": 12, "minute": 47}
